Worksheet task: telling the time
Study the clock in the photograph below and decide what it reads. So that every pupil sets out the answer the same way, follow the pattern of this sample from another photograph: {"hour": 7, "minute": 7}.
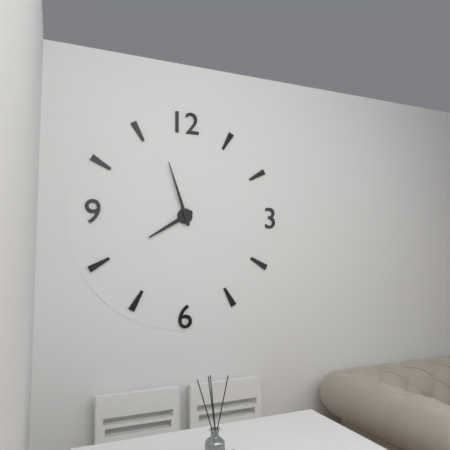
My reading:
{"hour": 7, "minute": 57}
